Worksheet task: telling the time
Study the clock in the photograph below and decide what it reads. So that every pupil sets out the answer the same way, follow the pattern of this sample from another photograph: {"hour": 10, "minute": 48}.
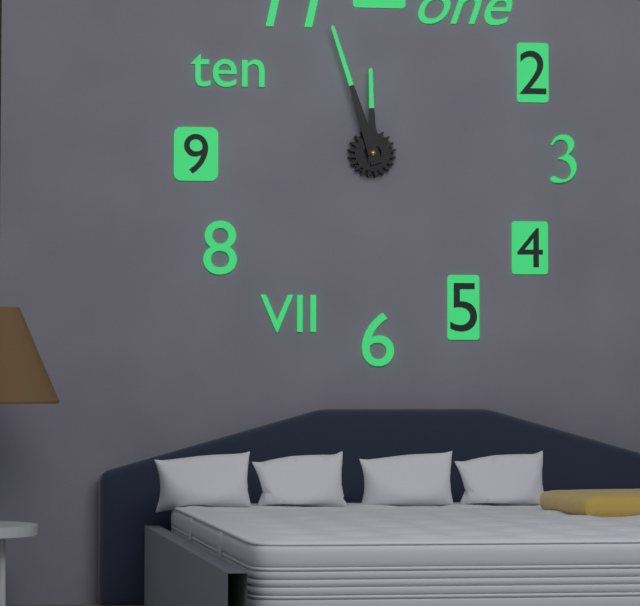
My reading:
{"hour": 11, "minute": 57}
